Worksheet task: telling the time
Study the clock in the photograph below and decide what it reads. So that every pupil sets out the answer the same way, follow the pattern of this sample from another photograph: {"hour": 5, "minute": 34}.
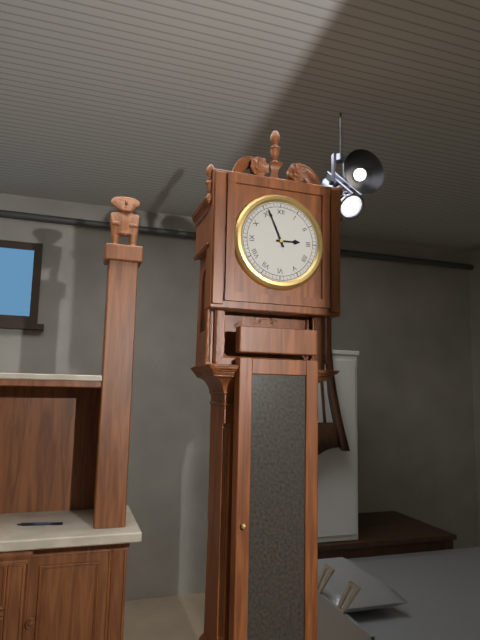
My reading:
{"hour": 2, "minute": 56}
